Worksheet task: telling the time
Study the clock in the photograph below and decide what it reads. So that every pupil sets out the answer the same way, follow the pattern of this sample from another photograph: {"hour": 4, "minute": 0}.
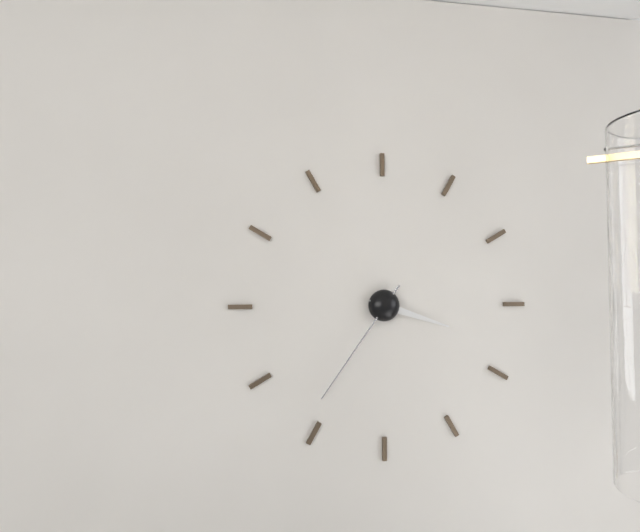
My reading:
{"hour": 3, "minute": 36}
